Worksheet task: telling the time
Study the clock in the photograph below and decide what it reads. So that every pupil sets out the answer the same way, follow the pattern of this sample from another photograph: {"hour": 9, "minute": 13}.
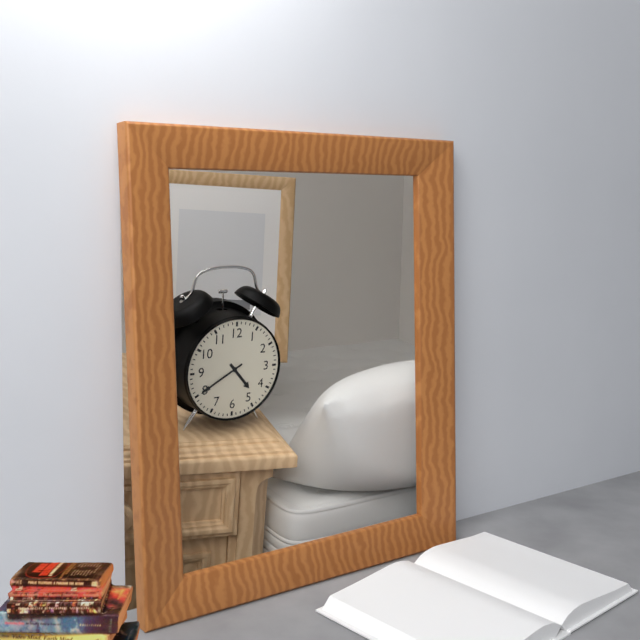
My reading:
{"hour": 4, "minute": 40}
